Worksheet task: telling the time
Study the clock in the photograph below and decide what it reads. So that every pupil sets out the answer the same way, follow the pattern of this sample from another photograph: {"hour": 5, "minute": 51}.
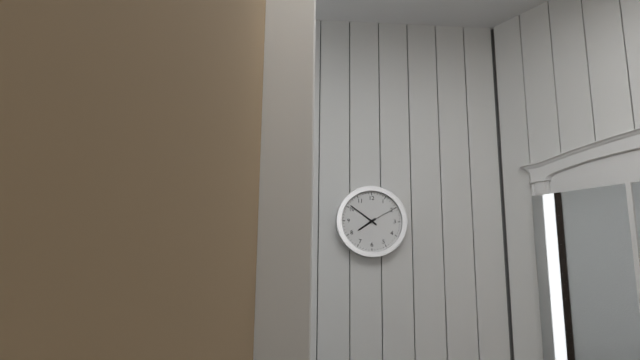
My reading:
{"hour": 7, "minute": 51}
